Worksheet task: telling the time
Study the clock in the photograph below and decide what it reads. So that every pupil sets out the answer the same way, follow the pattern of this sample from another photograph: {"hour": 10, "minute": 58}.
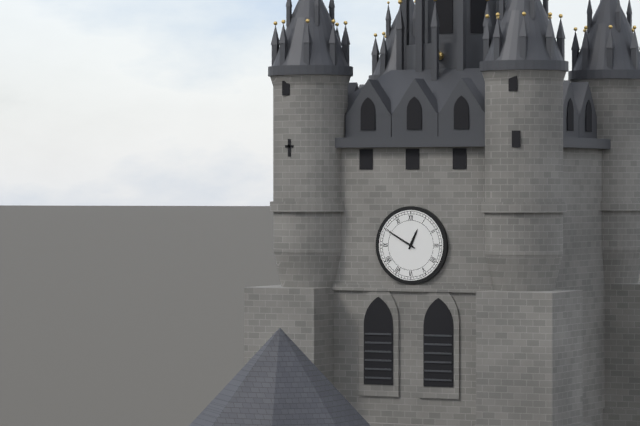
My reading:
{"hour": 12, "minute": 50}
